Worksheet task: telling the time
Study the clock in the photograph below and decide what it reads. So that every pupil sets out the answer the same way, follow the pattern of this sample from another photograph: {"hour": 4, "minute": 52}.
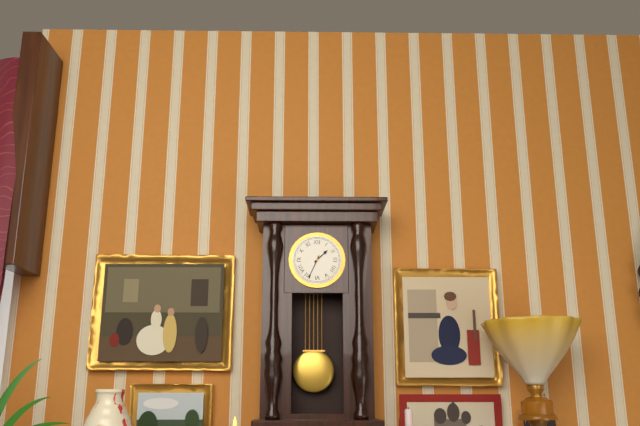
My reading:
{"hour": 1, "minute": 34}
